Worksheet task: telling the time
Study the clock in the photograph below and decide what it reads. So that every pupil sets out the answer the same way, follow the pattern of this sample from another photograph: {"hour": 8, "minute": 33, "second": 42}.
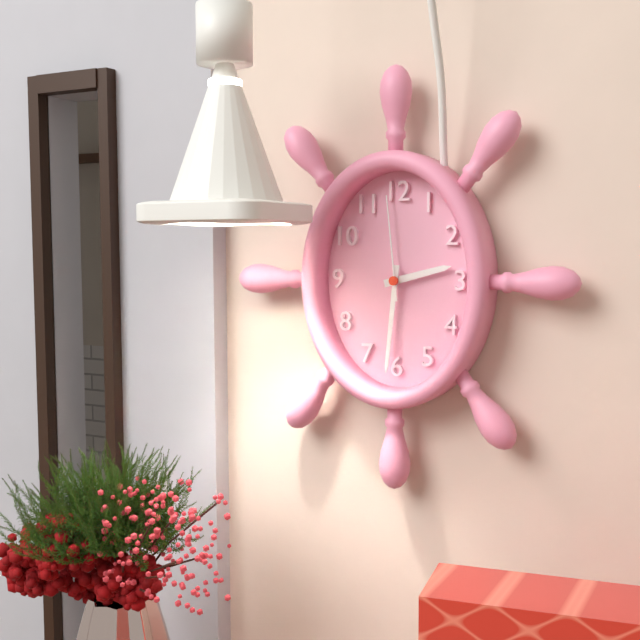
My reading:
{"hour": 2, "minute": 31, "second": 59}
